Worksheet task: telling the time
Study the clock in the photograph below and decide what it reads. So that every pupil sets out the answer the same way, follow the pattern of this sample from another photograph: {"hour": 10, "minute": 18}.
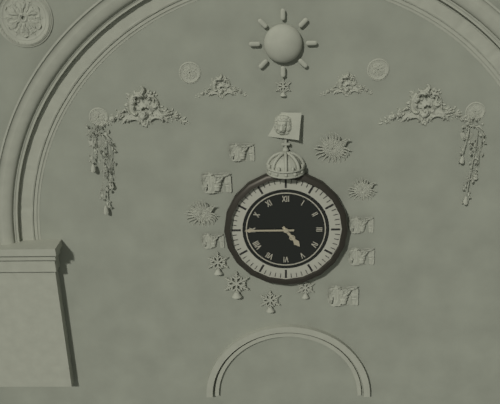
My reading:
{"hour": 4, "minute": 45}
